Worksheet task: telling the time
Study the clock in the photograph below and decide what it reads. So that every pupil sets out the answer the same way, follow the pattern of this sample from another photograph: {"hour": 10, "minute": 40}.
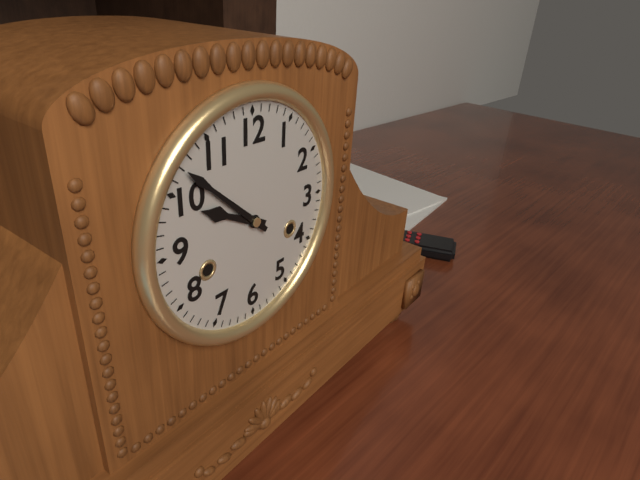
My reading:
{"hour": 9, "minute": 52}
